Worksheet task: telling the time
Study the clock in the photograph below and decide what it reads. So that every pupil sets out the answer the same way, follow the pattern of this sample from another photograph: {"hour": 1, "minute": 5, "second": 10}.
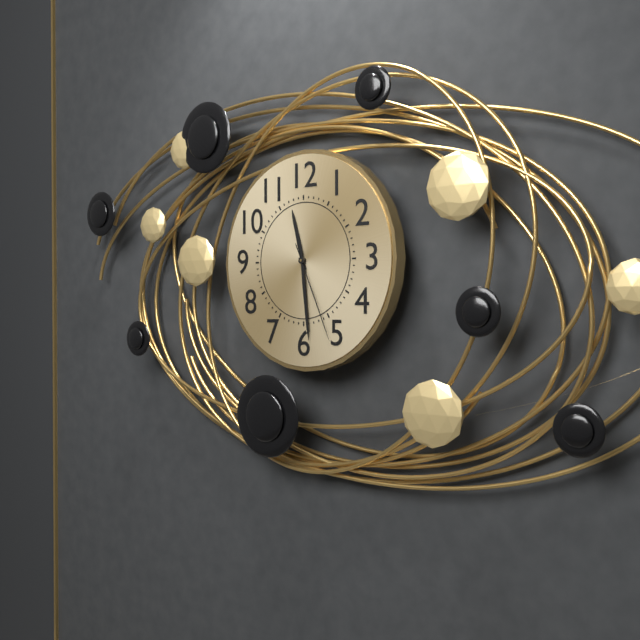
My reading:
{"hour": 11, "minute": 29, "second": 26}
